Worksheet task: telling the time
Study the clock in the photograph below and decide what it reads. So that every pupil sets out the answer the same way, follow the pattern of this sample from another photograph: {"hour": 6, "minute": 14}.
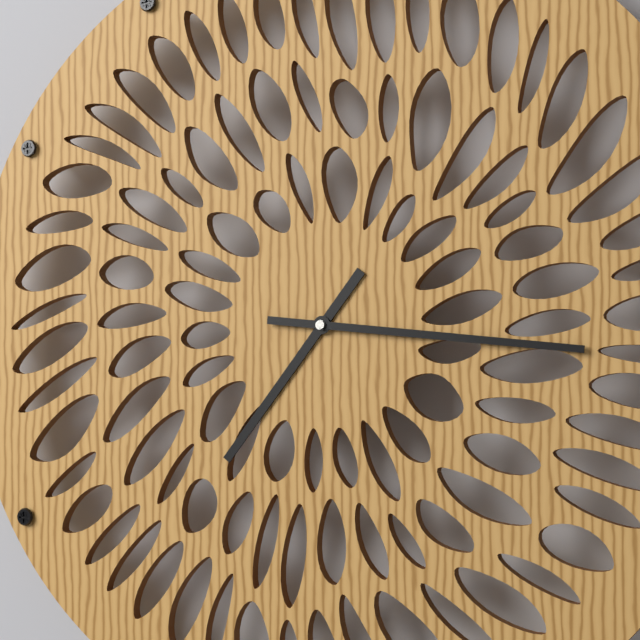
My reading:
{"hour": 7, "minute": 16}
